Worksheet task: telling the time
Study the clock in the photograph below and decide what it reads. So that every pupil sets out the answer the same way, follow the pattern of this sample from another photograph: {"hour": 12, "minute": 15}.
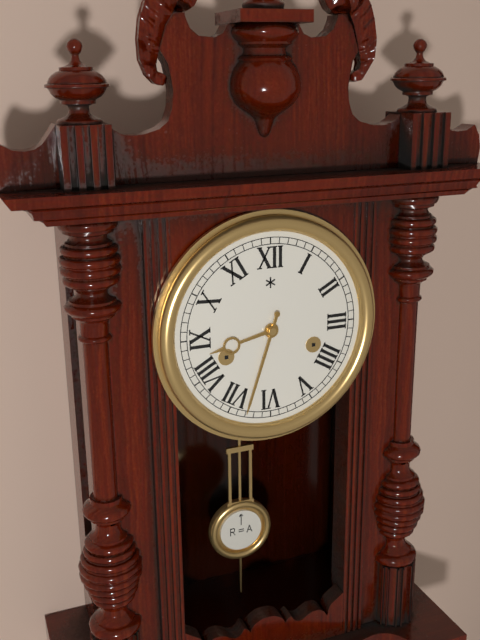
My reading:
{"hour": 8, "minute": 33}
